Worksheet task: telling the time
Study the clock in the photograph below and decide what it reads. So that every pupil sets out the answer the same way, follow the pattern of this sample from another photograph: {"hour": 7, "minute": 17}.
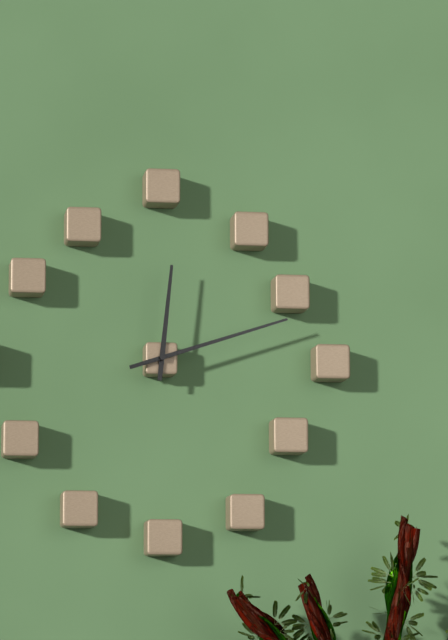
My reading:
{"hour": 12, "minute": 12}
